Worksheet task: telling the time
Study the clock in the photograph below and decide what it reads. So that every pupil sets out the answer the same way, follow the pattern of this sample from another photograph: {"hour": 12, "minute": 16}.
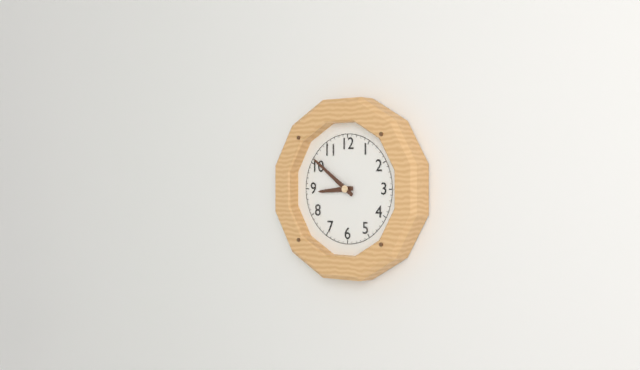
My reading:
{"hour": 8, "minute": 51}
